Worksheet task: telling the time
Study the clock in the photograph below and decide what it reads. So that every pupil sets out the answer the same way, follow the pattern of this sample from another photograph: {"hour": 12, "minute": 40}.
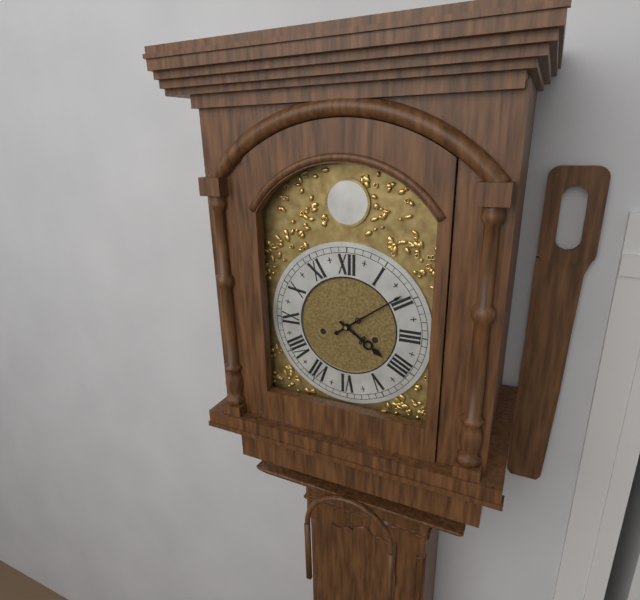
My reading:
{"hour": 4, "minute": 9}
